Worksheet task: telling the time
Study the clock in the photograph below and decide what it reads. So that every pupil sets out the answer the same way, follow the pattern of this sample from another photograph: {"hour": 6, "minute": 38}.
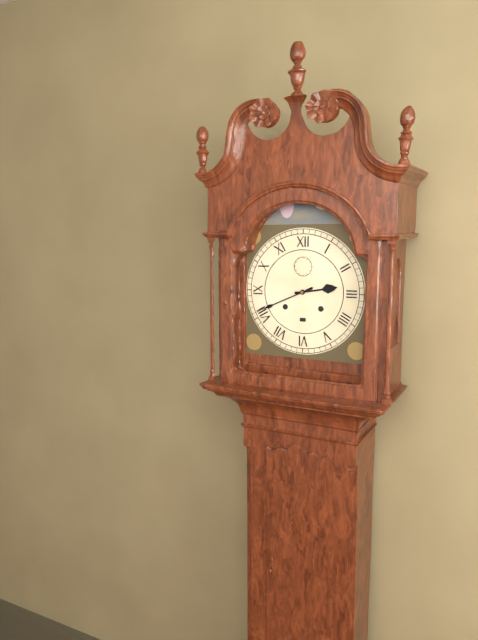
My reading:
{"hour": 2, "minute": 41}
